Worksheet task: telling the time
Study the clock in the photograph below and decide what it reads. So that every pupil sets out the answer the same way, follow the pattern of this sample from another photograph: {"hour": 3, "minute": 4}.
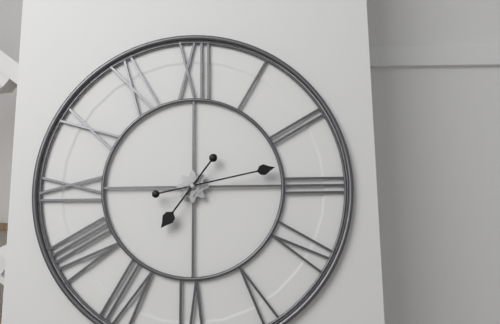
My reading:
{"hour": 7, "minute": 13}
